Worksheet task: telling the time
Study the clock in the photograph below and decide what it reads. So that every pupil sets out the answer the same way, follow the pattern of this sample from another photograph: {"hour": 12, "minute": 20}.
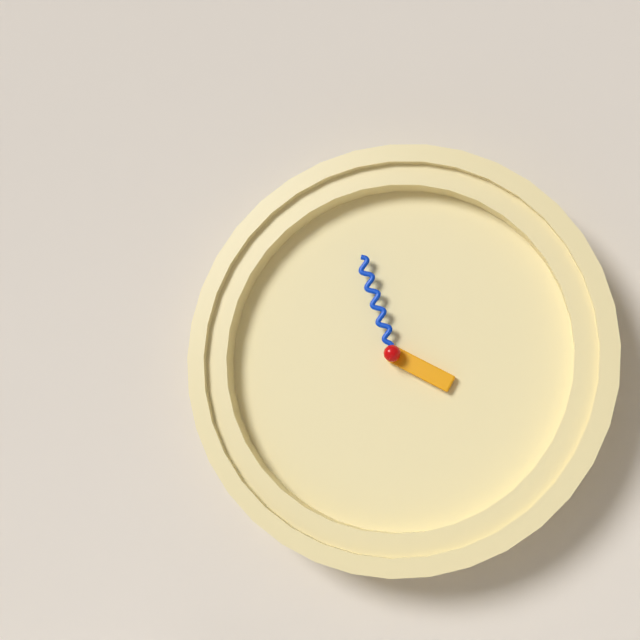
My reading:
{"hour": 3, "minute": 57}
